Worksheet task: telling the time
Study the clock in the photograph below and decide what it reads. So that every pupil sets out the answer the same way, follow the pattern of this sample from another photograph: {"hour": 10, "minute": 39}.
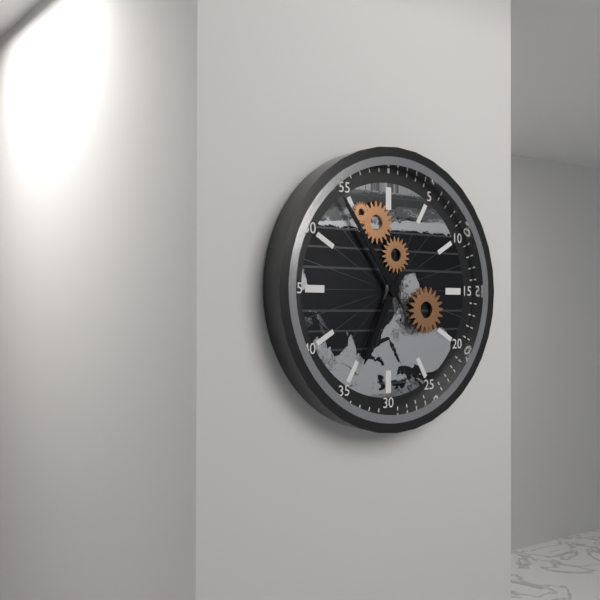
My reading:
{"hour": 6, "minute": 54}
